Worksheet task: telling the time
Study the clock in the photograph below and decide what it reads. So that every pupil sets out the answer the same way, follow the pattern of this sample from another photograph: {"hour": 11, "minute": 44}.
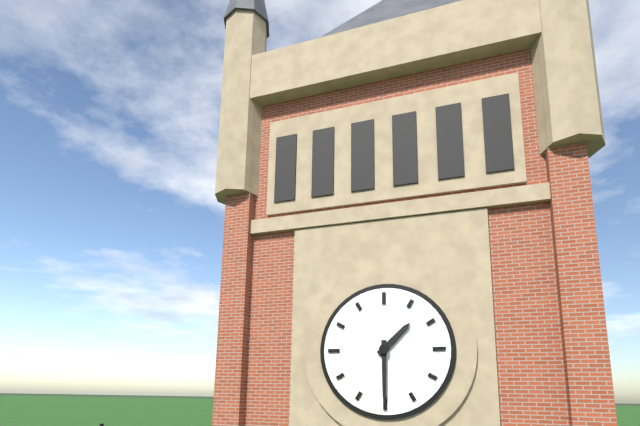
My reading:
{"hour": 1, "minute": 30}
